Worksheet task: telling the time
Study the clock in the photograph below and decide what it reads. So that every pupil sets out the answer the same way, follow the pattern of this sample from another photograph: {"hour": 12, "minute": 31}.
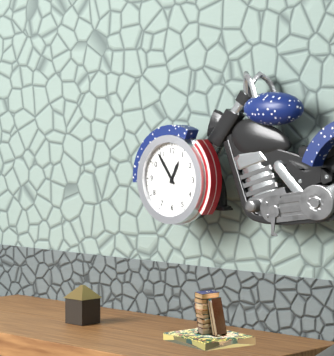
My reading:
{"hour": 12, "minute": 54}
